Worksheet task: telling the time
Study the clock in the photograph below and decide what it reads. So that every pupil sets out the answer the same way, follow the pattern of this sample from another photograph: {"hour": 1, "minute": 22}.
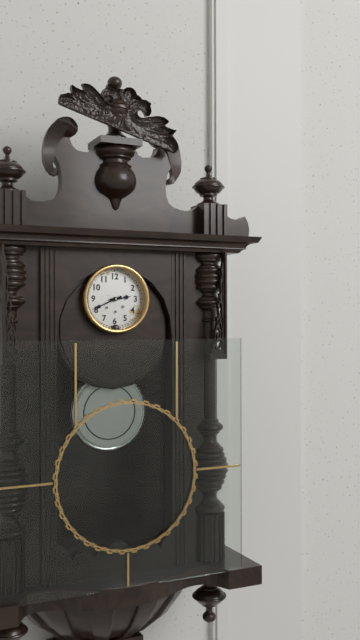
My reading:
{"hour": 2, "minute": 41}
